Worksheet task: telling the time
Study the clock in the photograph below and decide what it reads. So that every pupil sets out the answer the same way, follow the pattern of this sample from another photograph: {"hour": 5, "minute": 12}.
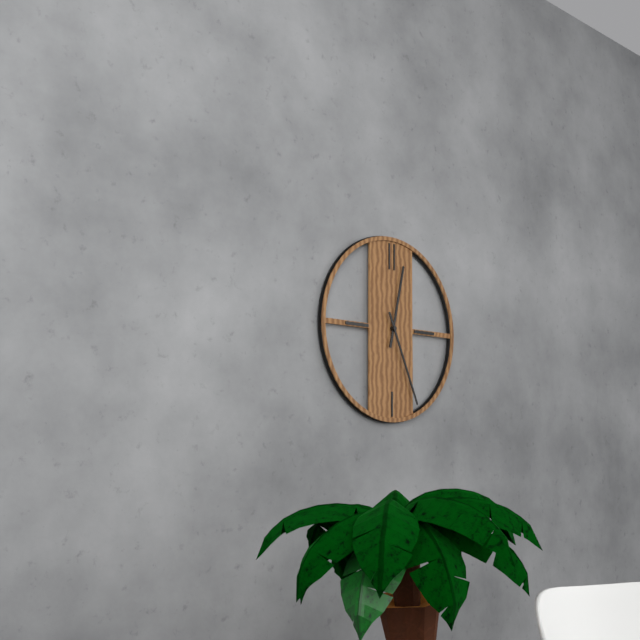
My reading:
{"hour": 12, "minute": 26}
